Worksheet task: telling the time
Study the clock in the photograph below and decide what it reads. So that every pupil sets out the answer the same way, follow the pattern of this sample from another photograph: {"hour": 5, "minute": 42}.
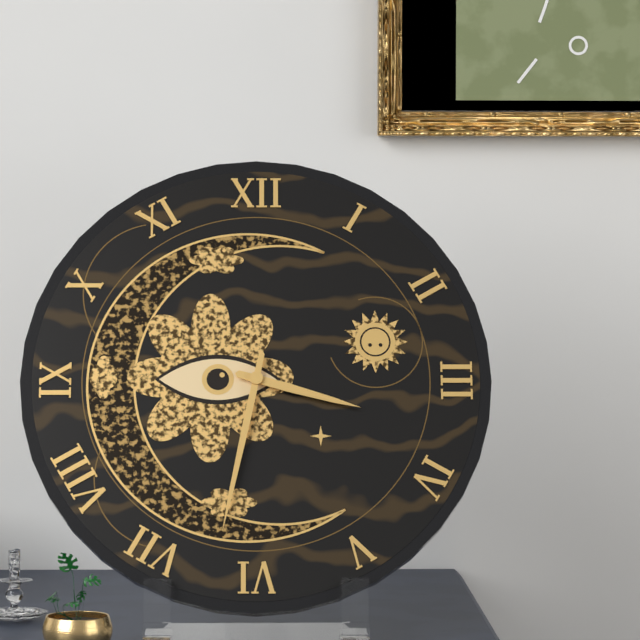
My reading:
{"hour": 3, "minute": 32}
